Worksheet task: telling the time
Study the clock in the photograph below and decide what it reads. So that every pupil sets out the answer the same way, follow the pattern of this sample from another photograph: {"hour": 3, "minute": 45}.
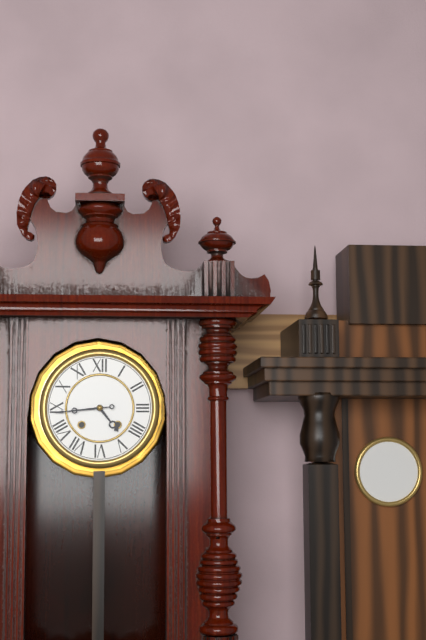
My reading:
{"hour": 4, "minute": 44}
